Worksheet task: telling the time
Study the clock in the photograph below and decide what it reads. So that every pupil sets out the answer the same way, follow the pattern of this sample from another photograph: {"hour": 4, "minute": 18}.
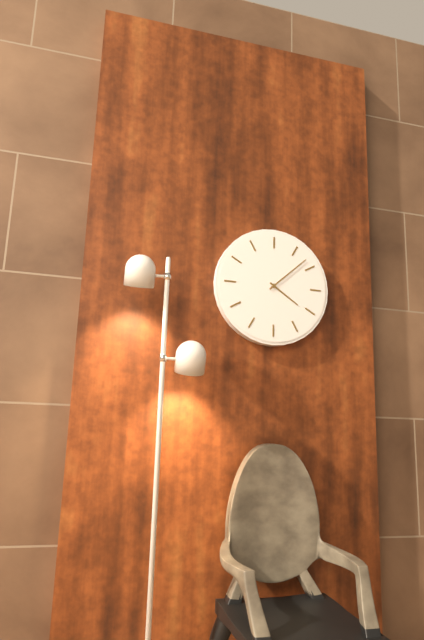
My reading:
{"hour": 4, "minute": 8}
